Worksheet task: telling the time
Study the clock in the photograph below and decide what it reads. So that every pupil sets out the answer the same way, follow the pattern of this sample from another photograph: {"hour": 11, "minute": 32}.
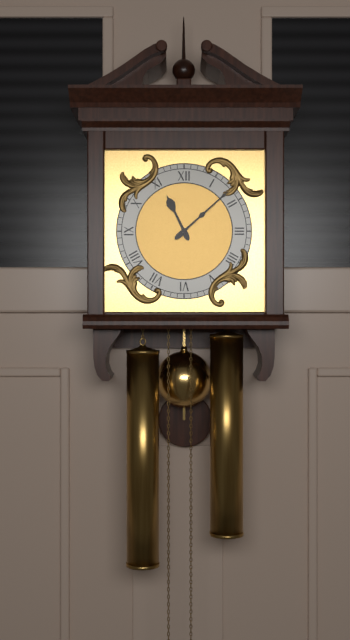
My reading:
{"hour": 11, "minute": 8}
